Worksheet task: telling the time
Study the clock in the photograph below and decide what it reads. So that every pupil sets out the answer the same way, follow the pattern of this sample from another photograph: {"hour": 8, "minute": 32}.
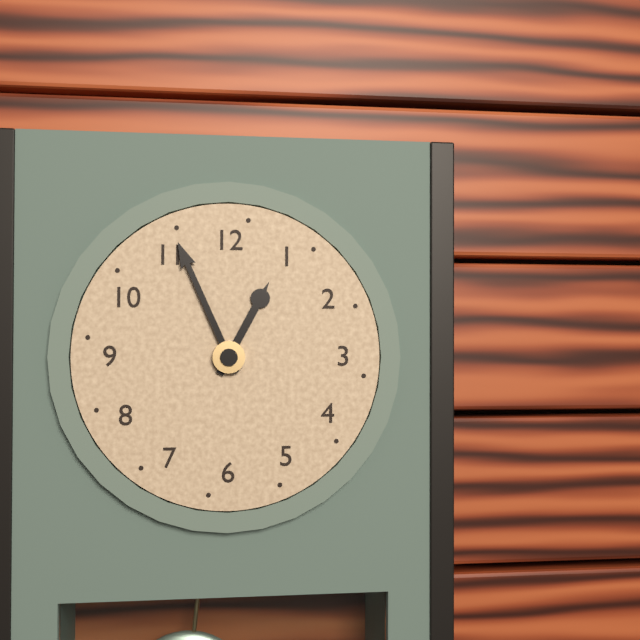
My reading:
{"hour": 12, "minute": 56}
